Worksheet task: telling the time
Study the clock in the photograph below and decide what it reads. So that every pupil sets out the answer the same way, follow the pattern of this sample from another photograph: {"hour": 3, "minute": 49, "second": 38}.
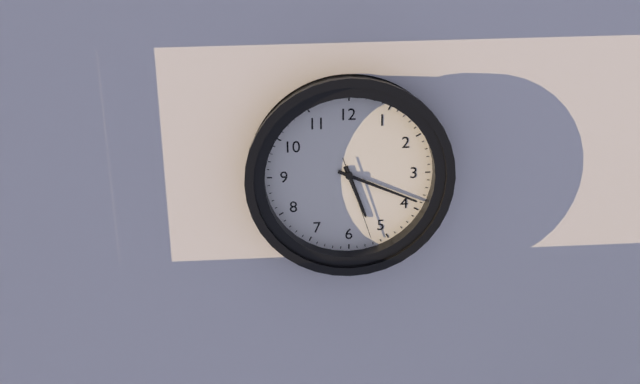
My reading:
{"hour": 5, "minute": 19, "second": 27}
